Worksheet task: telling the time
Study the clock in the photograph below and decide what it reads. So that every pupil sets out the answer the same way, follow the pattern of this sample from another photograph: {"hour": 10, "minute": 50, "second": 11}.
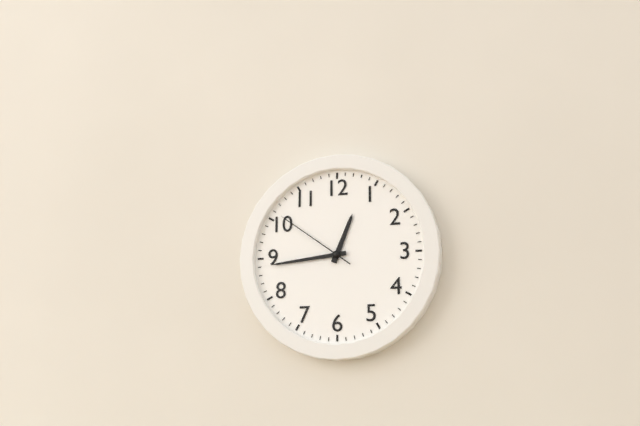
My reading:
{"hour": 12, "minute": 44, "second": 51}
